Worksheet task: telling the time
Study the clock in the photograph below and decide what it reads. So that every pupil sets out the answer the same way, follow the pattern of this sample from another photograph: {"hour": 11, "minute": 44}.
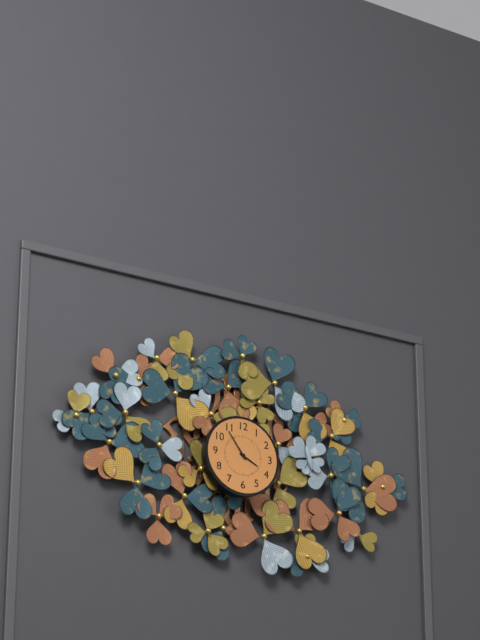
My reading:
{"hour": 3, "minute": 54}
